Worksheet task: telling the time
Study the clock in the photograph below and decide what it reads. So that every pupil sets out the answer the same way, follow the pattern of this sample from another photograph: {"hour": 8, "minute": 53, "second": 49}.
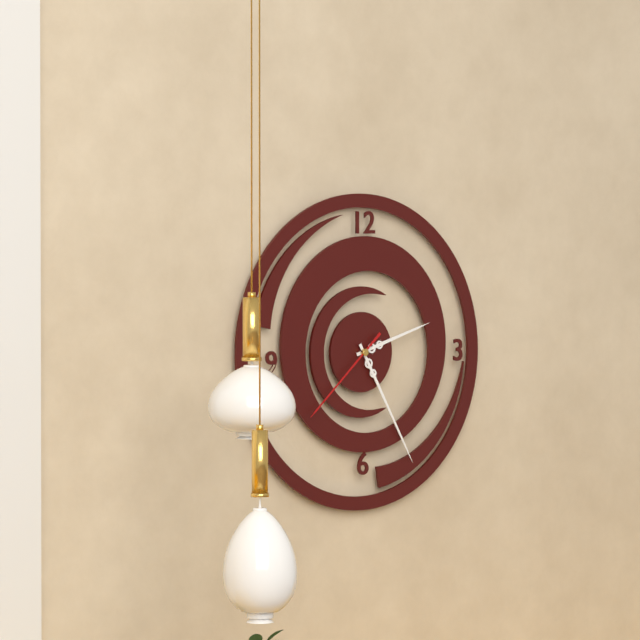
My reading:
{"hour": 2, "minute": 25, "second": 38}
